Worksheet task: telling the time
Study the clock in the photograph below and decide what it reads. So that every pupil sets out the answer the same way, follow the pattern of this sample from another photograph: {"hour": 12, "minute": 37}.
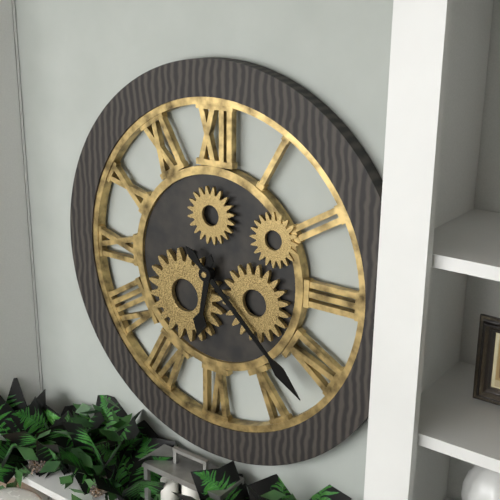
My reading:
{"hour": 6, "minute": 22}
